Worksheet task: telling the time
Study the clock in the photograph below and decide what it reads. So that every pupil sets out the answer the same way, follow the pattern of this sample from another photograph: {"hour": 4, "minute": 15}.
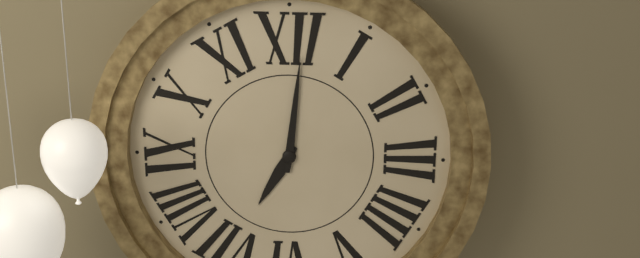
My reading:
{"hour": 7, "minute": 1}
